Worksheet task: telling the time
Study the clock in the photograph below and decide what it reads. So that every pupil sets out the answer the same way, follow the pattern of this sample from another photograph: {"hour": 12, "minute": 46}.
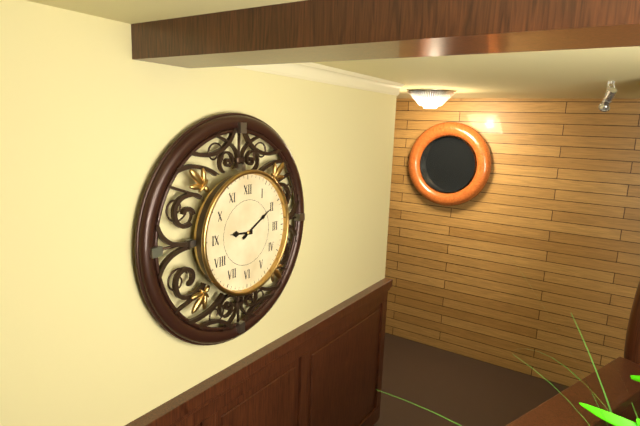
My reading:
{"hour": 9, "minute": 10}
